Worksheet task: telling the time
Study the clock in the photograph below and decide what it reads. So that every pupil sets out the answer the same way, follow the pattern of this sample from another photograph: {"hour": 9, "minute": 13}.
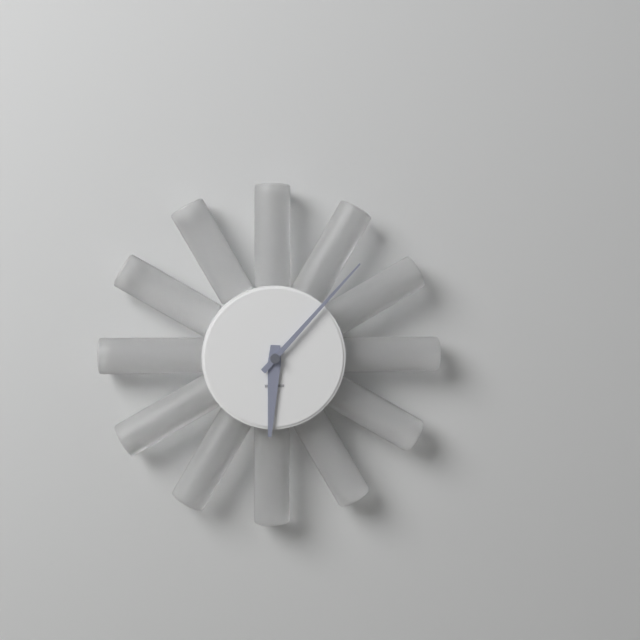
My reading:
{"hour": 6, "minute": 7}
